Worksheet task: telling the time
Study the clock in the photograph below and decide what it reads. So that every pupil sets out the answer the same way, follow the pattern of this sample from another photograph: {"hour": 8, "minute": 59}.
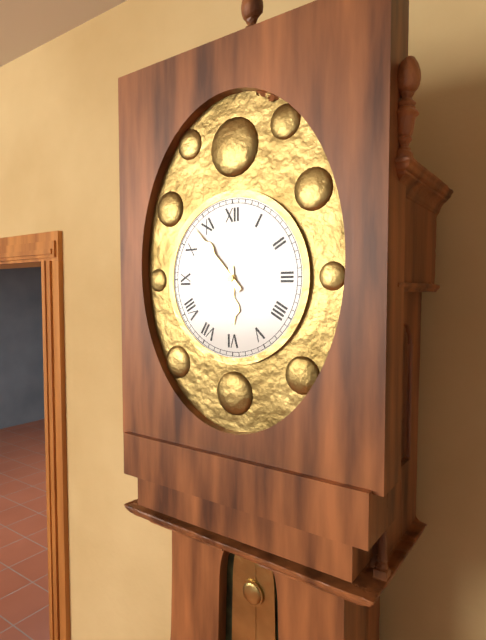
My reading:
{"hour": 5, "minute": 53}
